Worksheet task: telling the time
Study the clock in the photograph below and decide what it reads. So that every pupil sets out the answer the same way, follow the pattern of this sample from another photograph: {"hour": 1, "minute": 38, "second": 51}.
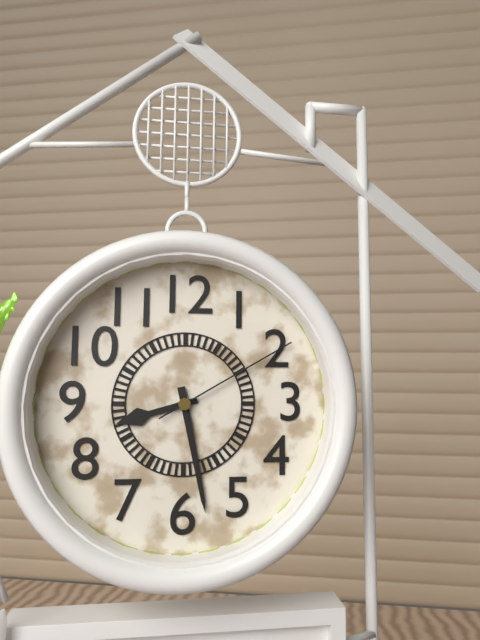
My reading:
{"hour": 8, "minute": 28, "second": 10}
